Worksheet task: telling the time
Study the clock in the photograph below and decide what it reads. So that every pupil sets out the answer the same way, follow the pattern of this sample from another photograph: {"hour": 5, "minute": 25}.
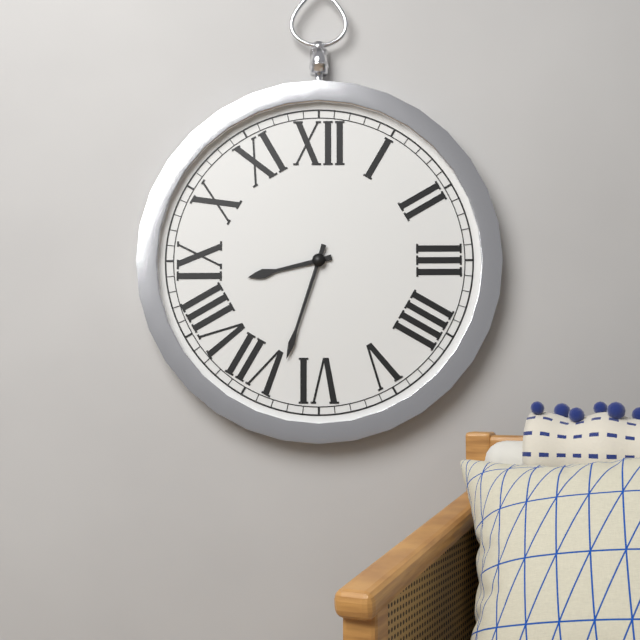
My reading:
{"hour": 8, "minute": 33}
